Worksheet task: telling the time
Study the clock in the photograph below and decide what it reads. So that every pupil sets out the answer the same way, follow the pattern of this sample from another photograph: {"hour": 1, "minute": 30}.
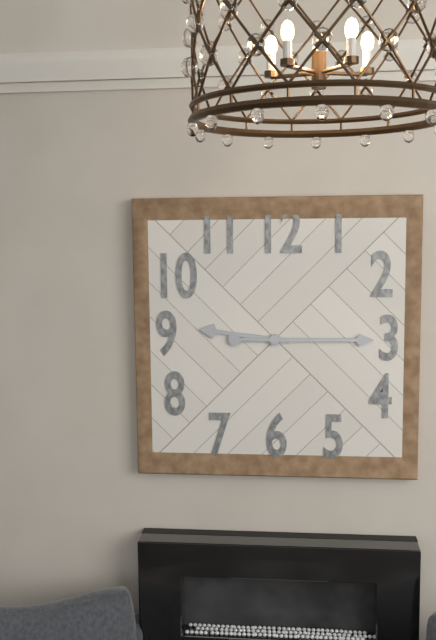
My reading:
{"hour": 9, "minute": 15}
